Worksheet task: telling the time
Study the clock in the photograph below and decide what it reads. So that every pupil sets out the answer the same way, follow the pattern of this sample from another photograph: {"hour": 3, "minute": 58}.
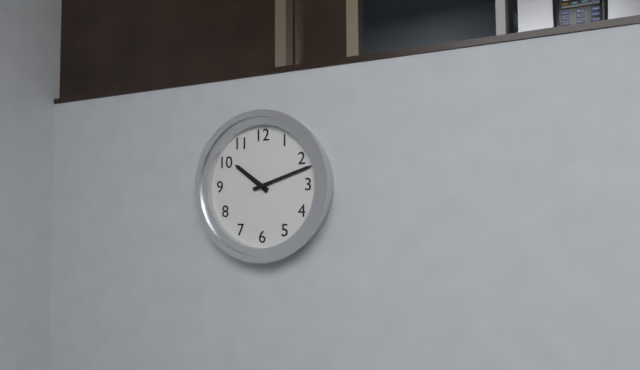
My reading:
{"hour": 10, "minute": 12}
